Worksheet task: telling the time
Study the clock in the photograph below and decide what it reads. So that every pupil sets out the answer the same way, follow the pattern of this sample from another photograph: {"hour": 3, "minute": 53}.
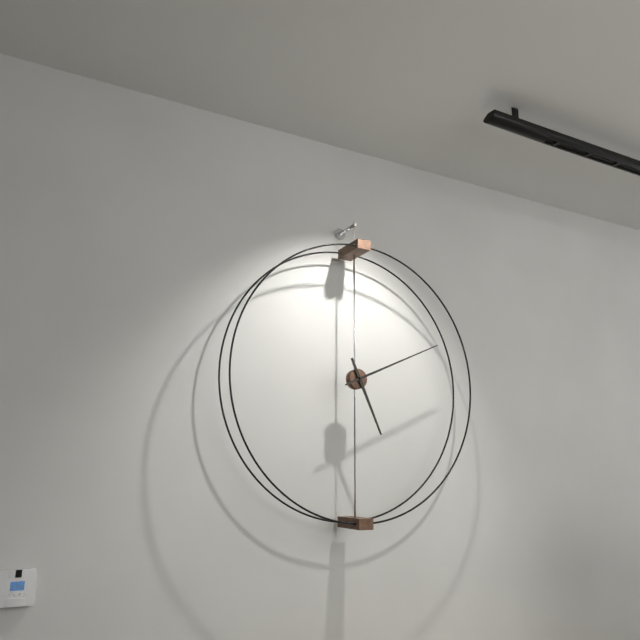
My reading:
{"hour": 5, "minute": 11}
